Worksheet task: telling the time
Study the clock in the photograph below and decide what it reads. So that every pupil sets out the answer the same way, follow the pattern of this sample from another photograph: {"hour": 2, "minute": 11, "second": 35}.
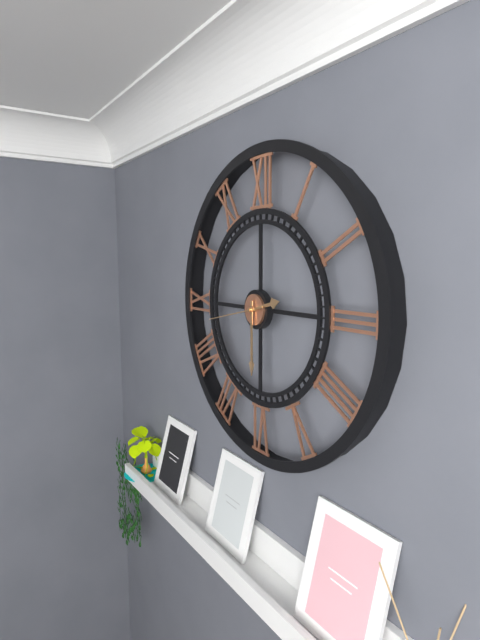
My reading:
{"hour": 2, "minute": 30, "second": 43}
